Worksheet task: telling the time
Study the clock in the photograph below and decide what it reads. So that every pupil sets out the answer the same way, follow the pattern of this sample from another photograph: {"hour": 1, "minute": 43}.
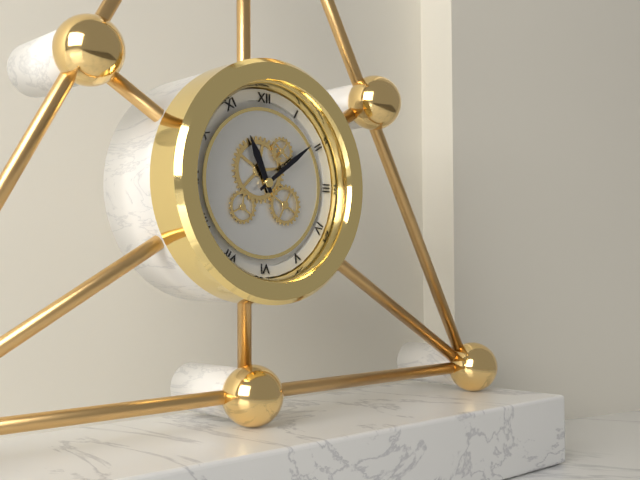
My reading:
{"hour": 11, "minute": 9}
